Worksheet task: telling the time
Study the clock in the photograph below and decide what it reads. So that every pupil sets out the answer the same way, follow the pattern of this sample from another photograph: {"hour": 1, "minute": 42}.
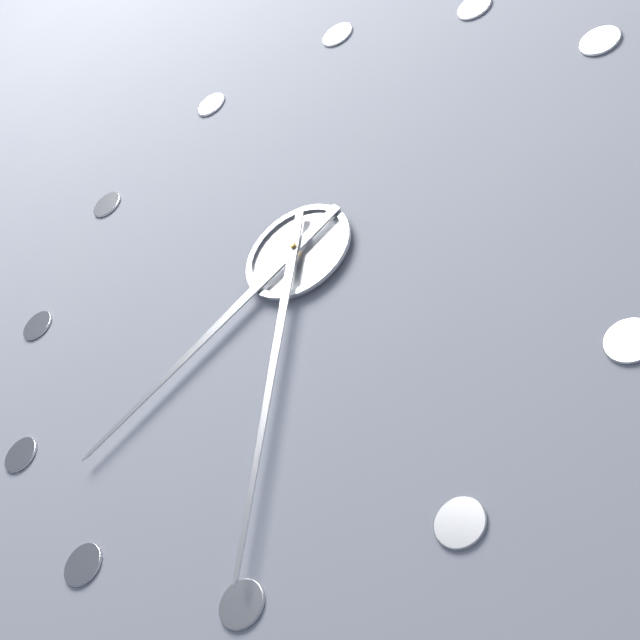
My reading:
{"hour": 7, "minute": 30}
